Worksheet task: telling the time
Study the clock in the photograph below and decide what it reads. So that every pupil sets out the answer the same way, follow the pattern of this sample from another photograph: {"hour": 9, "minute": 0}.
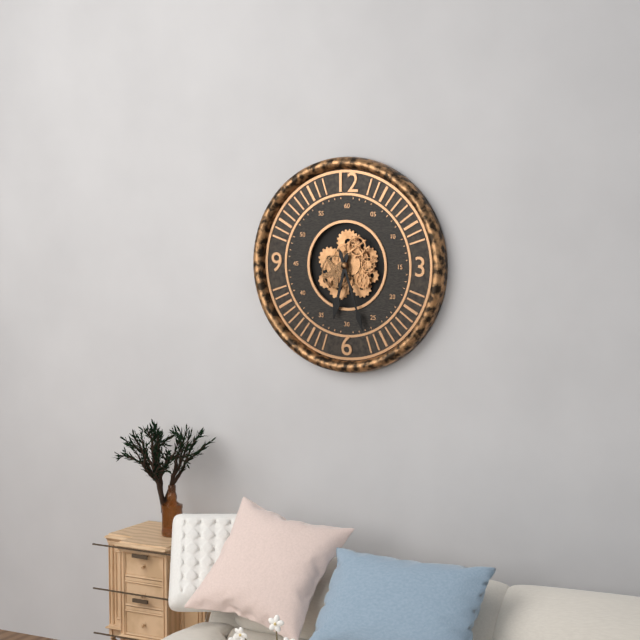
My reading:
{"hour": 6, "minute": 27}
